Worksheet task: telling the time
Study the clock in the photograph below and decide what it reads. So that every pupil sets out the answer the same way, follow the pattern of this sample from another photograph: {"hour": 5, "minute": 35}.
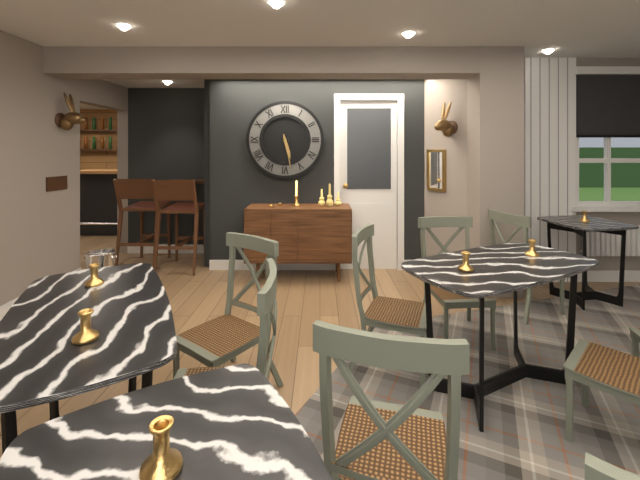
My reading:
{"hour": 5, "minute": 28}
